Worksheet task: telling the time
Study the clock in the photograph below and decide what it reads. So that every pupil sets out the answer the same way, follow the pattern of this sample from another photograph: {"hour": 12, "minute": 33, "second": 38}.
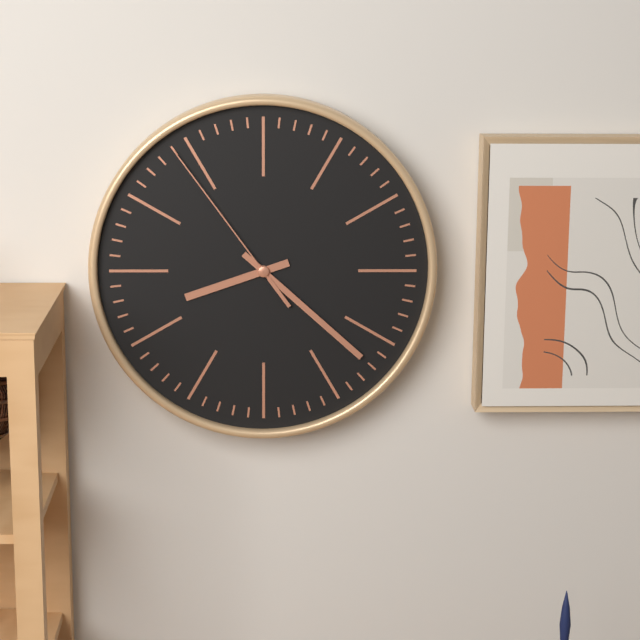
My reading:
{"hour": 8, "minute": 22, "second": 54}
